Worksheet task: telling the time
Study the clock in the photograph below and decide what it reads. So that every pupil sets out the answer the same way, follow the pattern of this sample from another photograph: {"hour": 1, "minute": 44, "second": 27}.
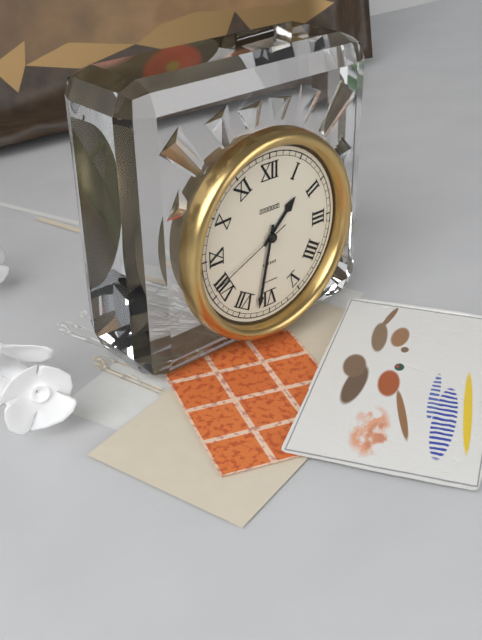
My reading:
{"hour": 1, "minute": 32, "second": 41}
